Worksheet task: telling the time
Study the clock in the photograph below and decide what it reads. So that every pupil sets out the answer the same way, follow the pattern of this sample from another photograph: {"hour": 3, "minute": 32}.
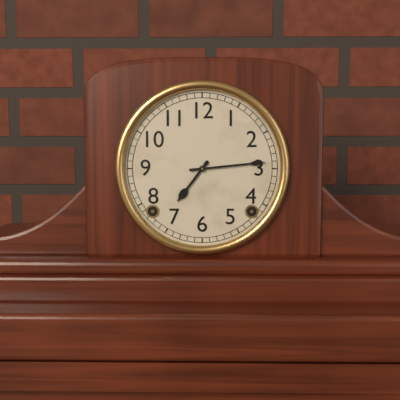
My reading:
{"hour": 7, "minute": 14}
